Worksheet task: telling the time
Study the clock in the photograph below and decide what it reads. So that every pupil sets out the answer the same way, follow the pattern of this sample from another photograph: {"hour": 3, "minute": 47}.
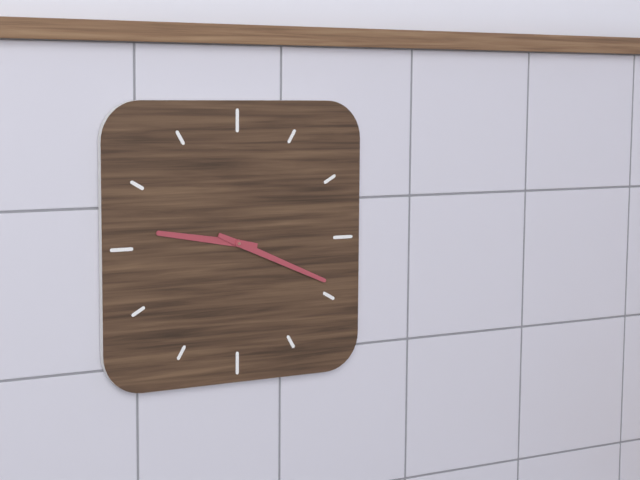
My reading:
{"hour": 9, "minute": 19}
